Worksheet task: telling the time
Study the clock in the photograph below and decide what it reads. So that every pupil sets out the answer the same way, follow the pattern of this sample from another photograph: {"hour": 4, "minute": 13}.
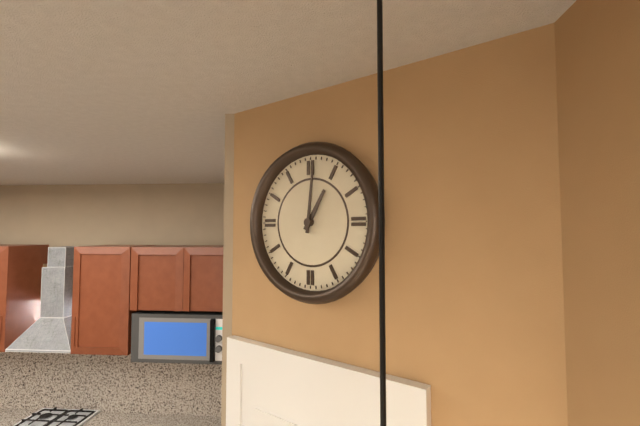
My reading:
{"hour": 1, "minute": 1}
